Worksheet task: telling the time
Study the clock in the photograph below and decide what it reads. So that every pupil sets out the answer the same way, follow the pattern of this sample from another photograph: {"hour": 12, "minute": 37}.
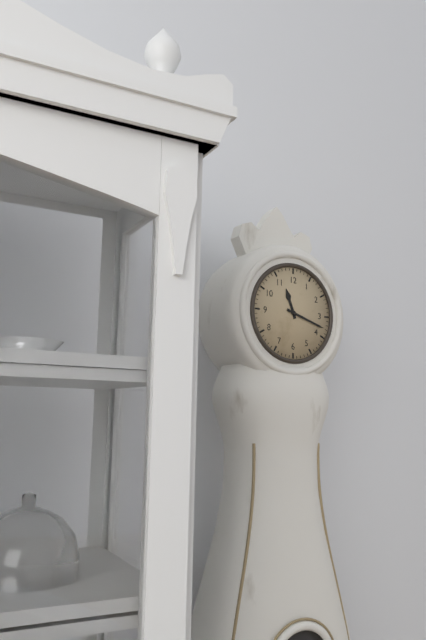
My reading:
{"hour": 11, "minute": 18}
